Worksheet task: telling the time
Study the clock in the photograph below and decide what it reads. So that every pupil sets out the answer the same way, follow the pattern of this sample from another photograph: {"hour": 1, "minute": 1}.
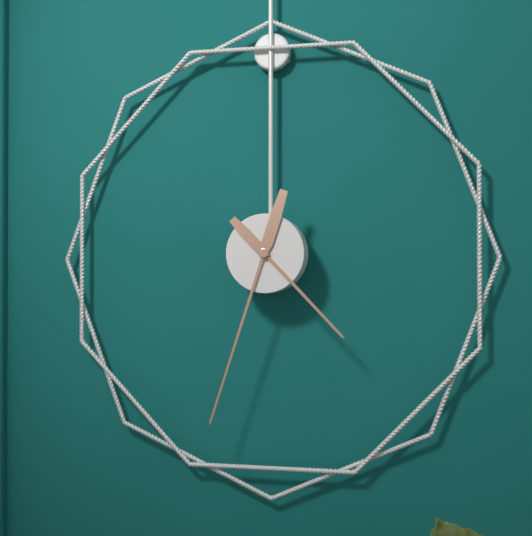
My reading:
{"hour": 4, "minute": 33}
